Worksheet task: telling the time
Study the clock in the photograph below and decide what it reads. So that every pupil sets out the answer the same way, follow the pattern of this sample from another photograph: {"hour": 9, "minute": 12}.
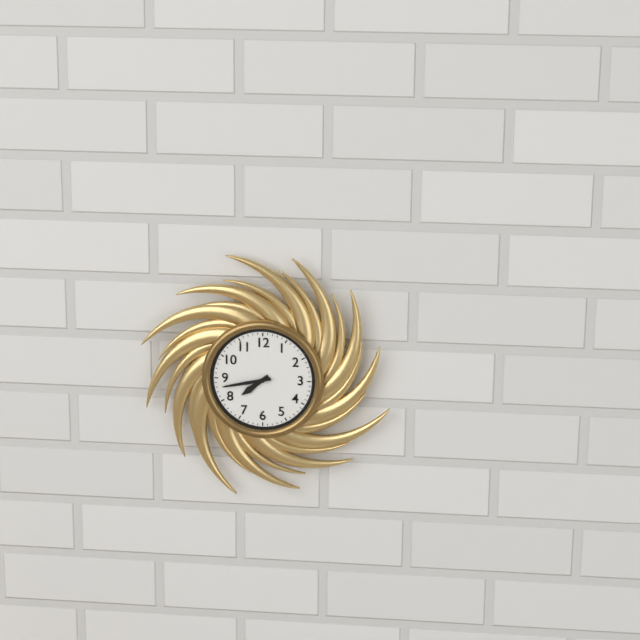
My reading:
{"hour": 7, "minute": 43}
